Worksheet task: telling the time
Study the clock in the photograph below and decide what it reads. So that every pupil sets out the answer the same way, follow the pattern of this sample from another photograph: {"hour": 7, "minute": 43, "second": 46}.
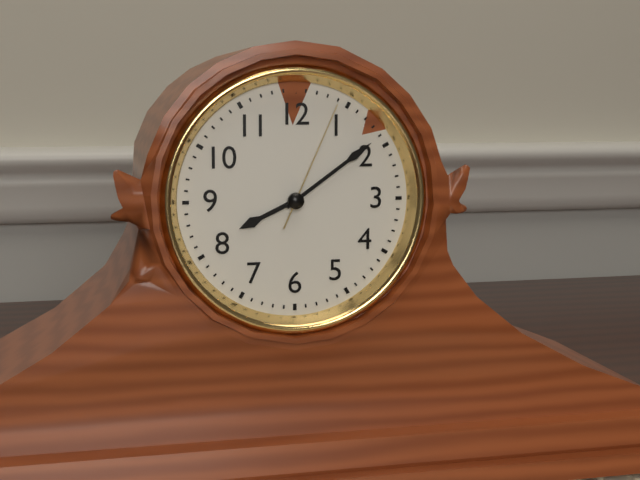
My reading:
{"hour": 8, "minute": 9, "second": 4}
